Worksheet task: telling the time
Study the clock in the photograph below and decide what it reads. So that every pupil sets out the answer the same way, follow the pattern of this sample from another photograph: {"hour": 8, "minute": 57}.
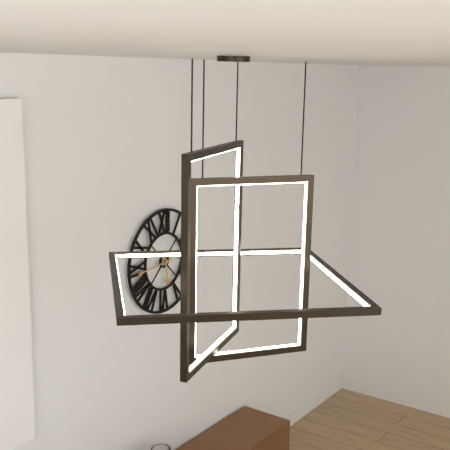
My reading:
{"hour": 5, "minute": 44}
